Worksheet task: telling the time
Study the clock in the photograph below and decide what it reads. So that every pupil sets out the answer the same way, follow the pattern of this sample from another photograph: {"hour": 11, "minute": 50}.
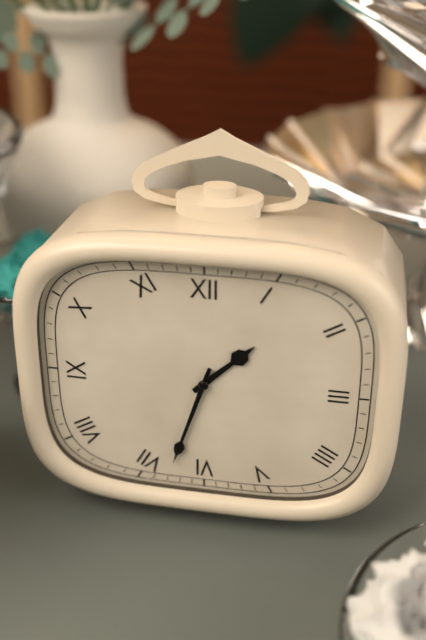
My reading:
{"hour": 1, "minute": 33}
